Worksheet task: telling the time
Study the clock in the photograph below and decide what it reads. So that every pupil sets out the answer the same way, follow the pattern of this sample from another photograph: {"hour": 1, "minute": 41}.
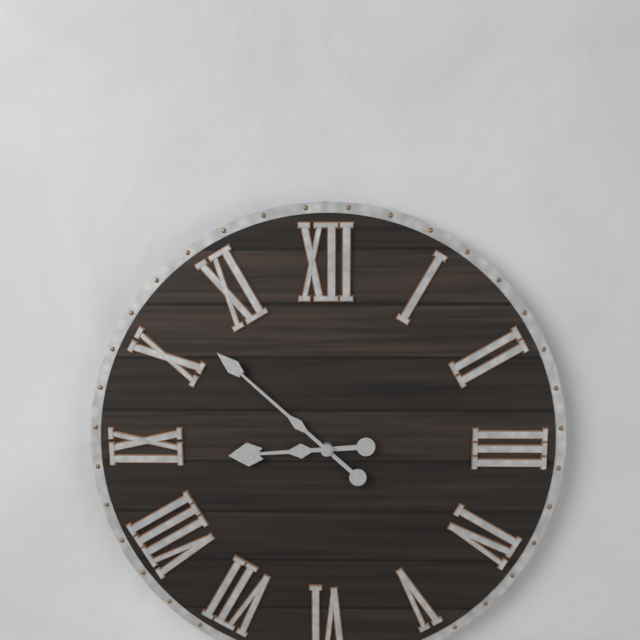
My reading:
{"hour": 8, "minute": 52}
